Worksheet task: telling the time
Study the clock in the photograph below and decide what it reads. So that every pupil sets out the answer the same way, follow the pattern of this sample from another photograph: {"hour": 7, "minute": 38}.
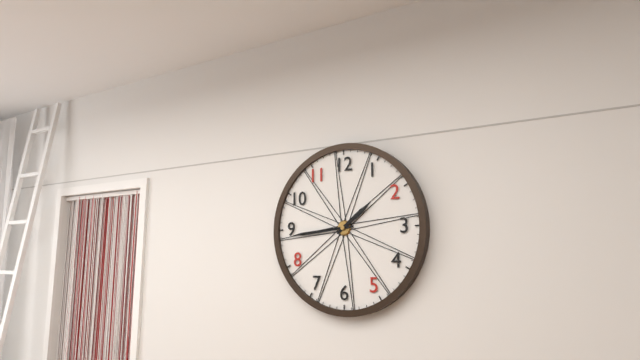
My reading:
{"hour": 1, "minute": 44}
